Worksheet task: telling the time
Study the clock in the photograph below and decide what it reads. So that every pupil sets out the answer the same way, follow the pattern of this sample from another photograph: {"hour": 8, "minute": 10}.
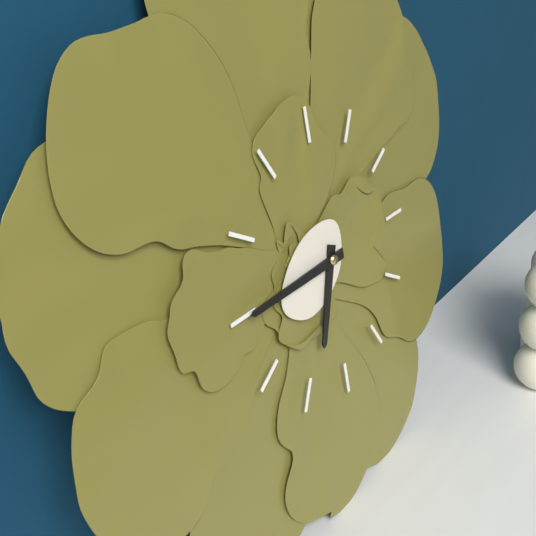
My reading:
{"hour": 6, "minute": 45}
